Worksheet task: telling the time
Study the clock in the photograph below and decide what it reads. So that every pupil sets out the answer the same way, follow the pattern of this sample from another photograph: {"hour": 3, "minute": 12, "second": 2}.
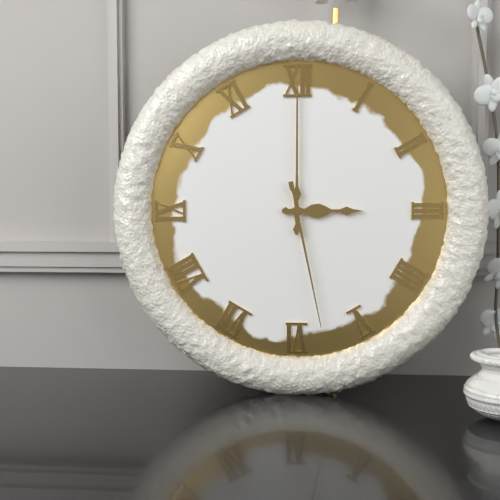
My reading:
{"hour": 3, "minute": 0, "second": 28}
